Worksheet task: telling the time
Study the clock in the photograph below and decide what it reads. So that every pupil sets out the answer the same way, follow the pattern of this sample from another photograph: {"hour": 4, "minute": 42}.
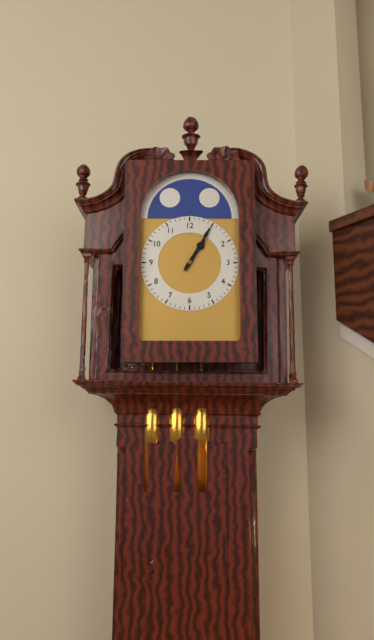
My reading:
{"hour": 1, "minute": 5}
